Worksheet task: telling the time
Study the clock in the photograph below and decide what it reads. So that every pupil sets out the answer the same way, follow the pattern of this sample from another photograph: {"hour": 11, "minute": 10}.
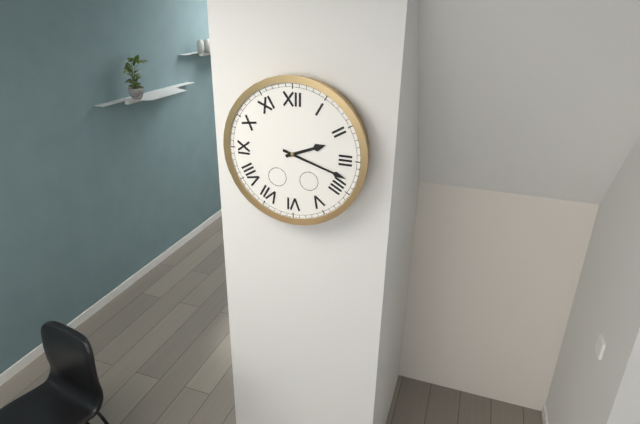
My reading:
{"hour": 2, "minute": 18}
